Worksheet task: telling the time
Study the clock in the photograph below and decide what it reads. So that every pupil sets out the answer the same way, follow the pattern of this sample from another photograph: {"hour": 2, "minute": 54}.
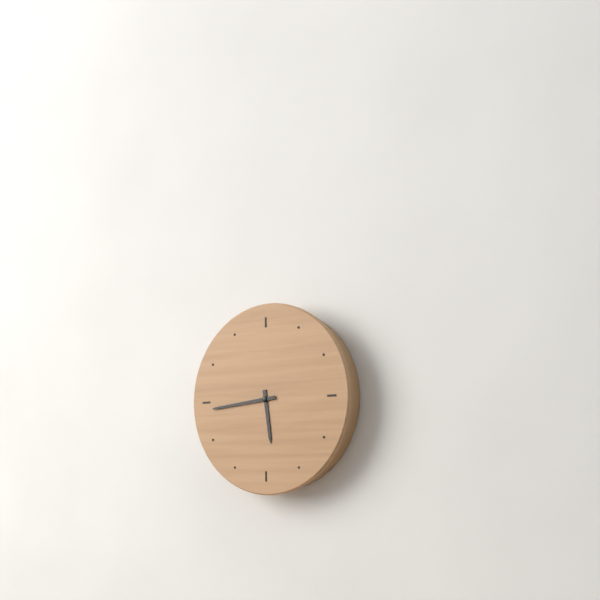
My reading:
{"hour": 5, "minute": 44}
